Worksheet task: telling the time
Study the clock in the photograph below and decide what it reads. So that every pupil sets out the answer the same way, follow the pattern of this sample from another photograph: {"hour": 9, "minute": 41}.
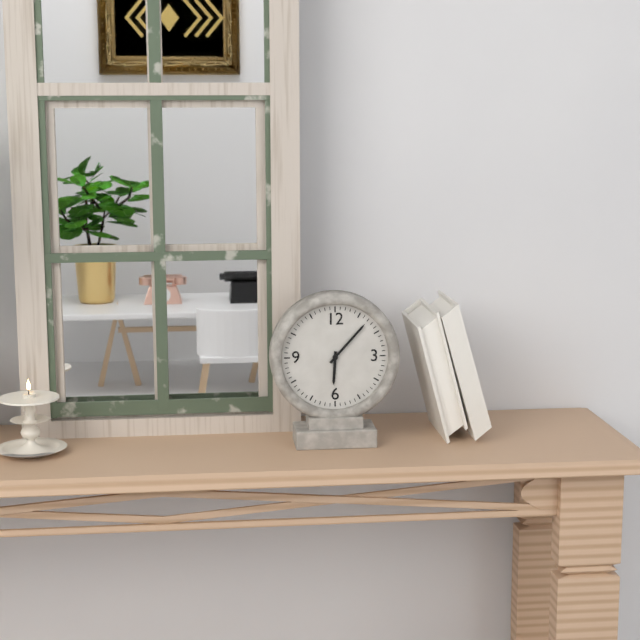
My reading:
{"hour": 6, "minute": 7}
